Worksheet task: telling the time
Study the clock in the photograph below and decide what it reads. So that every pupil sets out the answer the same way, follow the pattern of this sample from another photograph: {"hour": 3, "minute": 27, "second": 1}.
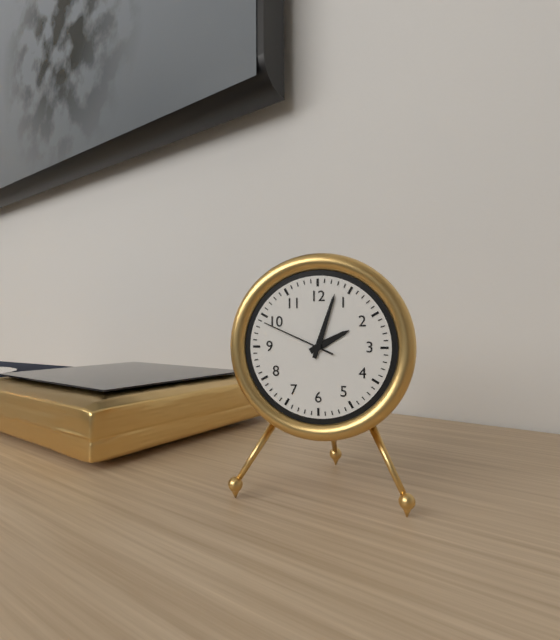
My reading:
{"hour": 2, "minute": 3, "second": 49}
